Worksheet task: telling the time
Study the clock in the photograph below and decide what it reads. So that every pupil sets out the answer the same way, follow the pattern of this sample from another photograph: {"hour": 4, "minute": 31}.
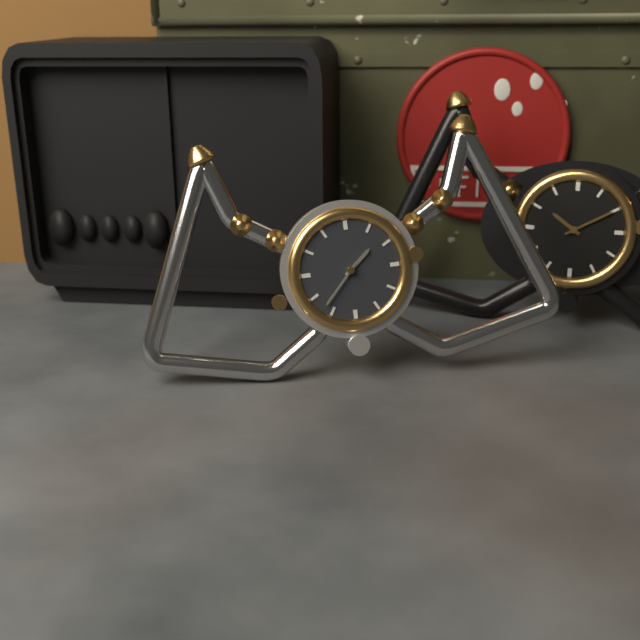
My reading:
{"hour": 1, "minute": 37}
